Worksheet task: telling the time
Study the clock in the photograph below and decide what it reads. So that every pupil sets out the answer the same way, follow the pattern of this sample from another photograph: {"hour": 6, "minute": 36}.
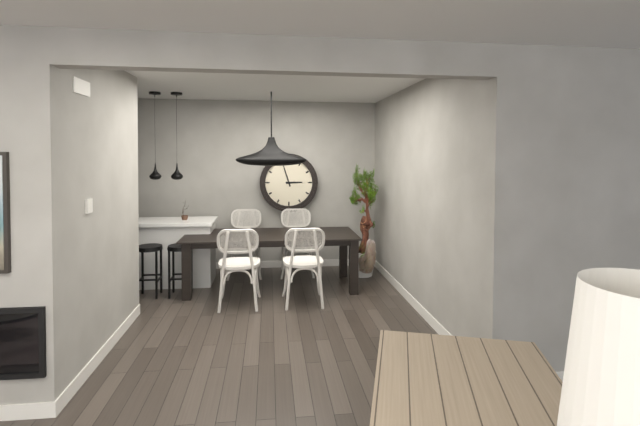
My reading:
{"hour": 2, "minute": 57}
